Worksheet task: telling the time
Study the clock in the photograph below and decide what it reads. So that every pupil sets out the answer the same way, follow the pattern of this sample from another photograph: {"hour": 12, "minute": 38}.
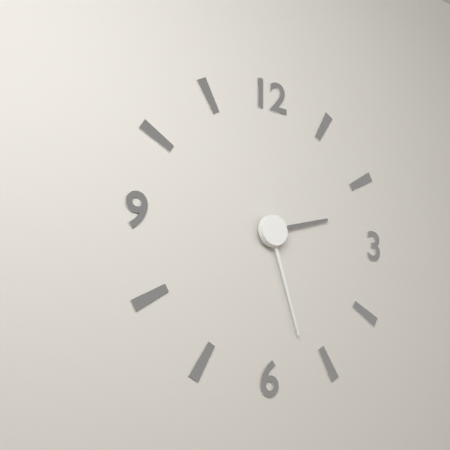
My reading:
{"hour": 2, "minute": 27}
